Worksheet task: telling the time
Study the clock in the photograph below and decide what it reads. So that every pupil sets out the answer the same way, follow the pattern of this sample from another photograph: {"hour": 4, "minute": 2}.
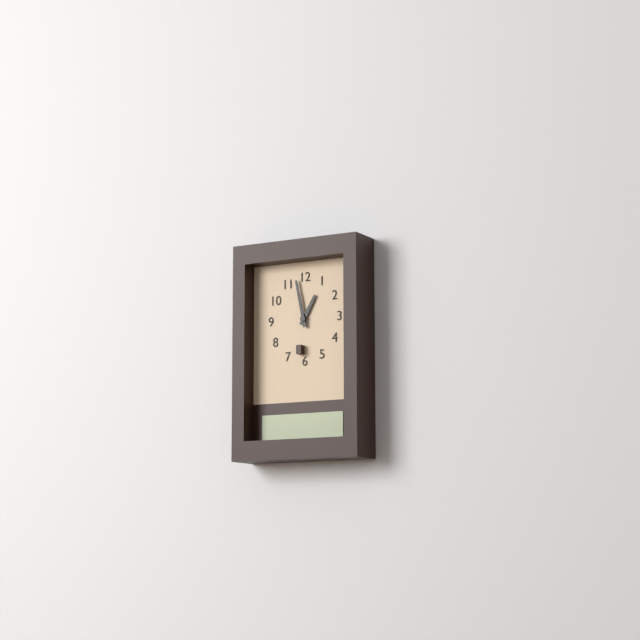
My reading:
{"hour": 12, "minute": 58}
